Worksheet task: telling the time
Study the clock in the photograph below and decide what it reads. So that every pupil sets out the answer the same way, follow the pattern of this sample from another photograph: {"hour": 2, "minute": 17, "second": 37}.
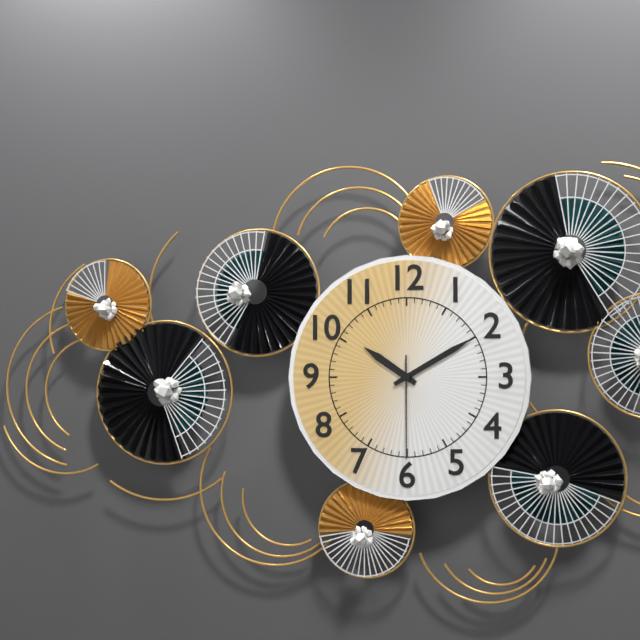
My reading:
{"hour": 10, "minute": 10, "second": 30}
